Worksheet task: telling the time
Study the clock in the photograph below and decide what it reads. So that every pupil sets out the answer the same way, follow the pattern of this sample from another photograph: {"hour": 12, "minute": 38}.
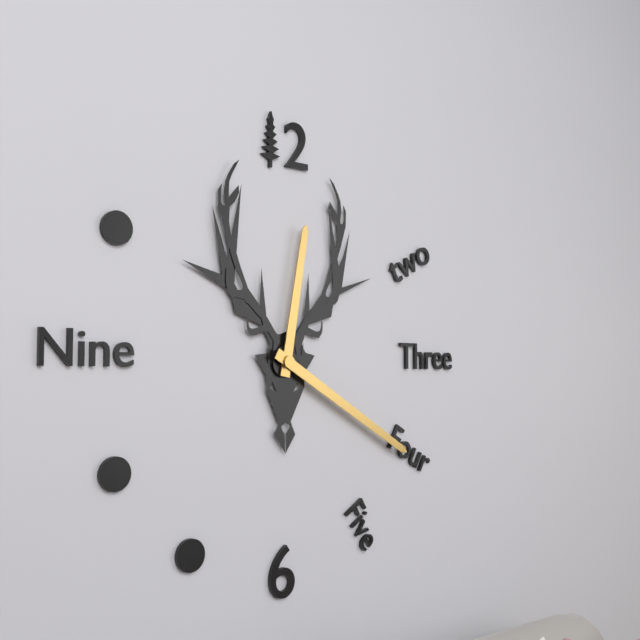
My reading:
{"hour": 12, "minute": 20}
